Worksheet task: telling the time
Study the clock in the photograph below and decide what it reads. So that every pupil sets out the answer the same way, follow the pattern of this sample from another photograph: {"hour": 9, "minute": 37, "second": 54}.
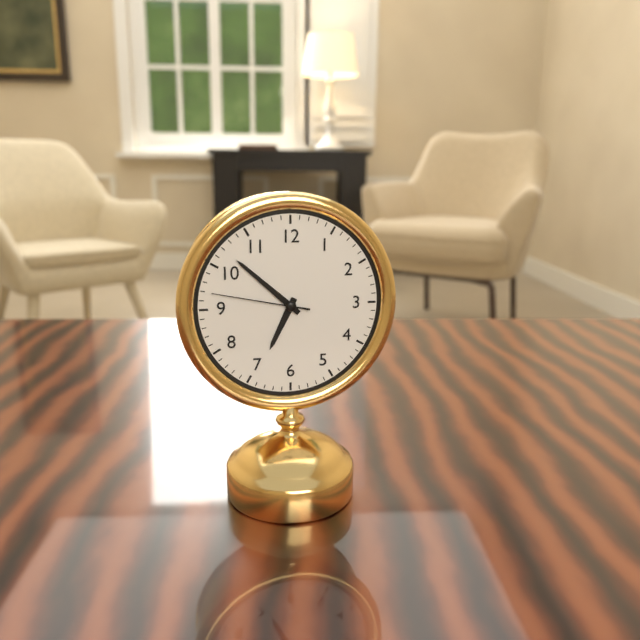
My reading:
{"hour": 6, "minute": 52, "second": 47}
